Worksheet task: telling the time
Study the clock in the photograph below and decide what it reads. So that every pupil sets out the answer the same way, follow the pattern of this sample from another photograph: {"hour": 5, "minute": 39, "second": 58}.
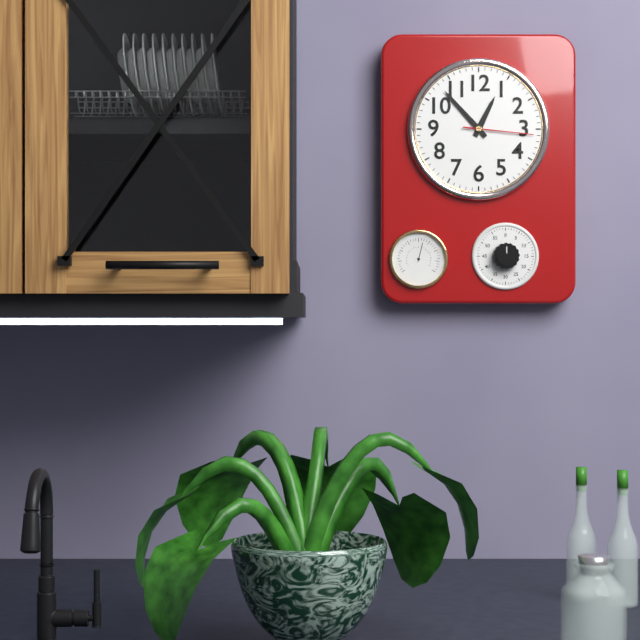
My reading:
{"hour": 12, "minute": 53, "second": 16}
